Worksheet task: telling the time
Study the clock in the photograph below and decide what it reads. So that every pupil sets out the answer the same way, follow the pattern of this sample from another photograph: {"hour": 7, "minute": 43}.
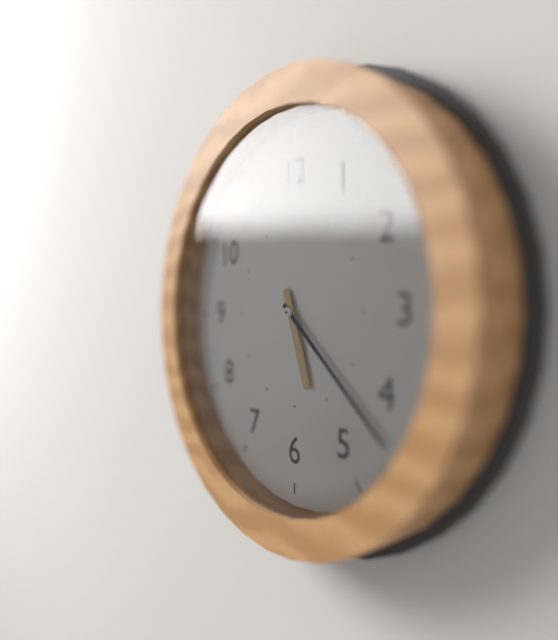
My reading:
{"hour": 5, "minute": 22}
